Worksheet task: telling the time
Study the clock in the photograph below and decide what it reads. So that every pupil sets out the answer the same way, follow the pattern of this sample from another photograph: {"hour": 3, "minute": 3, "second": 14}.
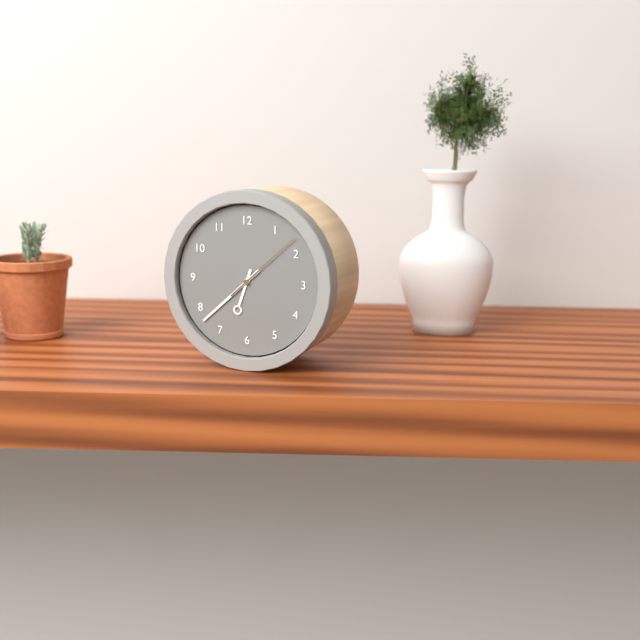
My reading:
{"hour": 6, "minute": 38, "second": 8}
